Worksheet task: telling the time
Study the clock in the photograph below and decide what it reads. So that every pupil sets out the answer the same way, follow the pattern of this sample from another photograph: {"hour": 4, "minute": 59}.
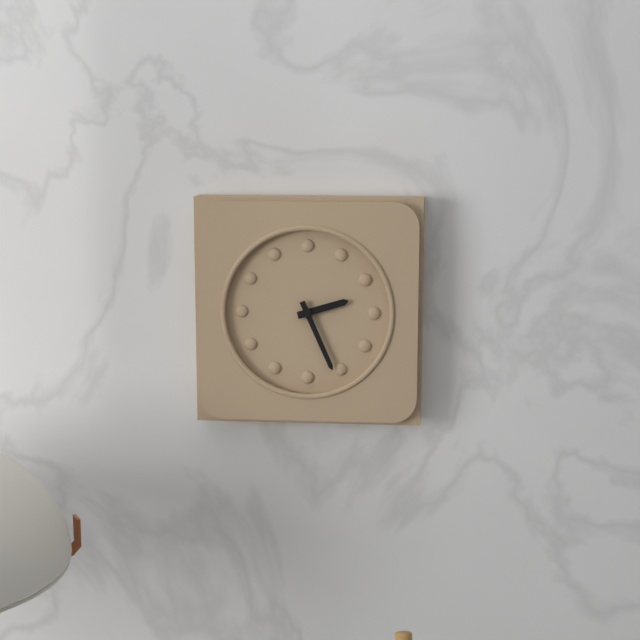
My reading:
{"hour": 2, "minute": 26}
